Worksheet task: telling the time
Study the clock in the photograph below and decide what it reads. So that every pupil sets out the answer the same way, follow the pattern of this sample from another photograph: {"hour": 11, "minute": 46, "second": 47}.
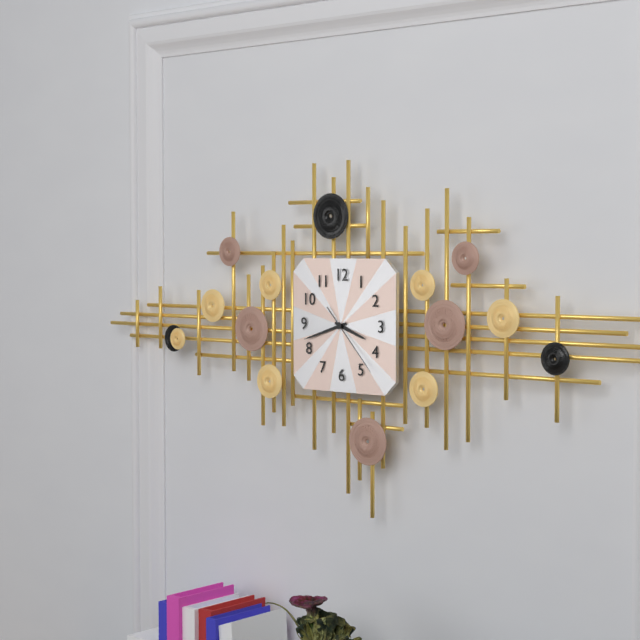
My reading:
{"hour": 3, "minute": 42, "second": 23}
